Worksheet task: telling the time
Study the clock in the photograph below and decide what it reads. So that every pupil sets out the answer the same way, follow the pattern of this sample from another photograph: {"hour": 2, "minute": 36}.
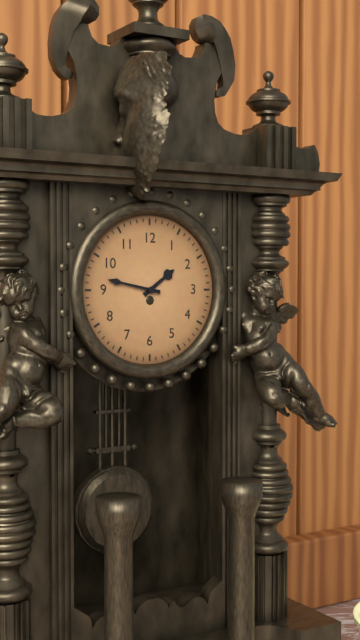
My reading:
{"hour": 1, "minute": 47}
